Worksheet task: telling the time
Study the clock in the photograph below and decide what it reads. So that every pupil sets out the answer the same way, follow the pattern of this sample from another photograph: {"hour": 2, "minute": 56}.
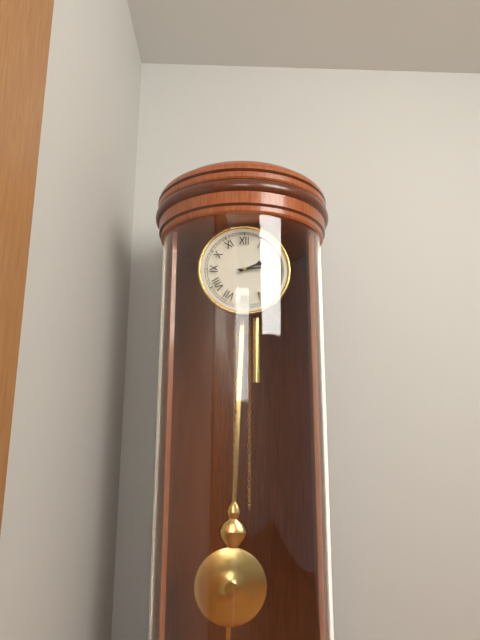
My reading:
{"hour": 2, "minute": 14}
